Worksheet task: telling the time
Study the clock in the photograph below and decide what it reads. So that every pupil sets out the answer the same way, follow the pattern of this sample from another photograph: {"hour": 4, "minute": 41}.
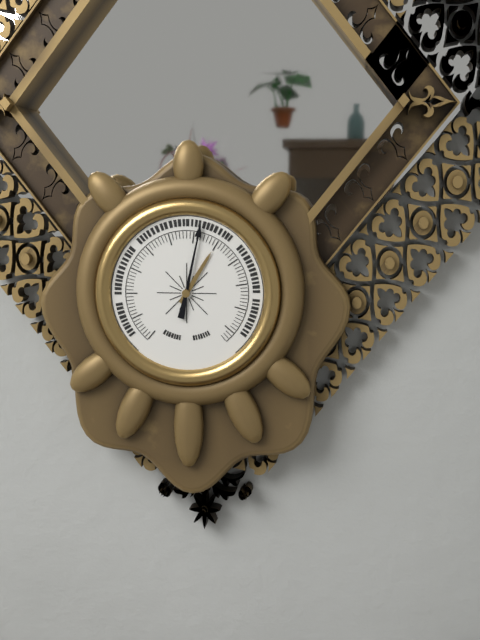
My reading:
{"hour": 1, "minute": 2}
